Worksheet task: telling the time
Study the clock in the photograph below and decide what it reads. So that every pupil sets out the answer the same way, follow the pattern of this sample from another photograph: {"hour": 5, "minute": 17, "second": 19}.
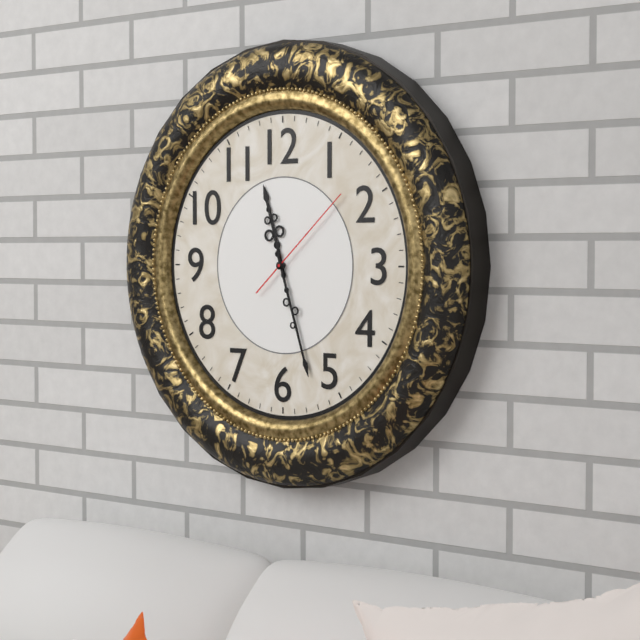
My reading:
{"hour": 11, "minute": 27, "second": 8}
